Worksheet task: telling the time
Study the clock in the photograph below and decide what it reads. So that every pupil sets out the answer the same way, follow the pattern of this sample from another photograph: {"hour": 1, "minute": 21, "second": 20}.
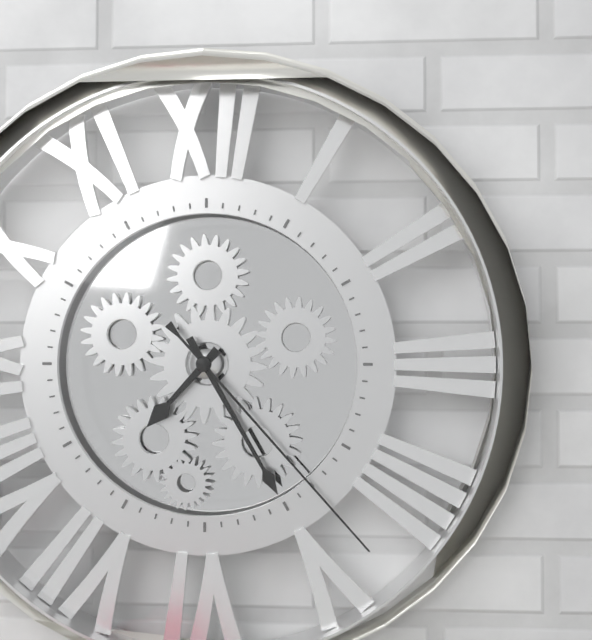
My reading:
{"hour": 7, "minute": 25, "second": 23}
